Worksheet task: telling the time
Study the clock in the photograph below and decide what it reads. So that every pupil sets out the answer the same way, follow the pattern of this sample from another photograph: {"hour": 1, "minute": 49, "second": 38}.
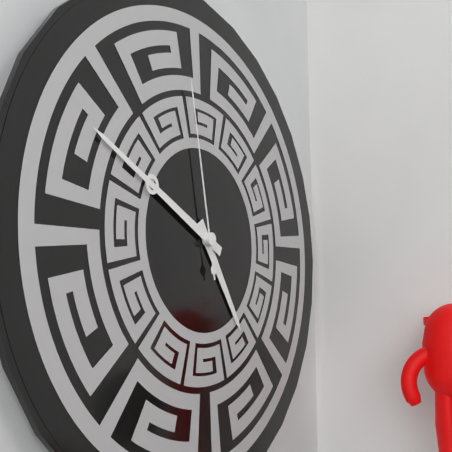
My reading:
{"hour": 4, "minute": 49, "second": 58}
